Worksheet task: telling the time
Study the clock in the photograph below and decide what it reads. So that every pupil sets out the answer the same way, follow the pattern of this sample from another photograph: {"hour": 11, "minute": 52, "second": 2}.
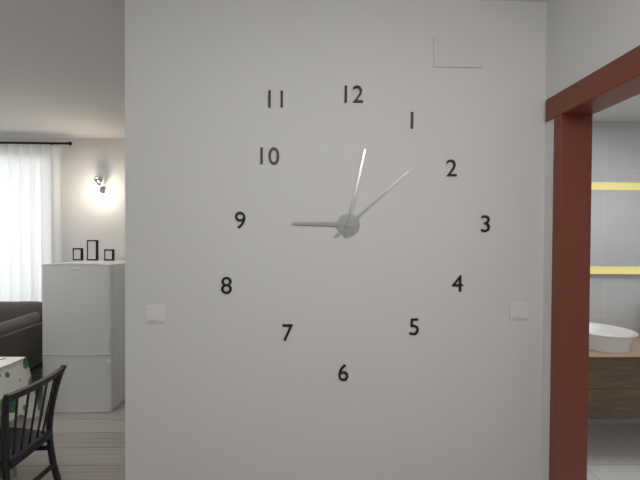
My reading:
{"hour": 9, "minute": 2, "second": 8}
